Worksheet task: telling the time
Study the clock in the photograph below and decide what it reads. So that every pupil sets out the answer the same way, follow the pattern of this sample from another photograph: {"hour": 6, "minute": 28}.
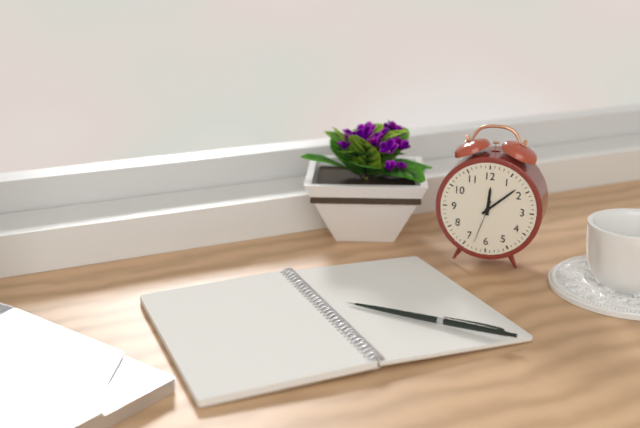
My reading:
{"hour": 12, "minute": 8}
